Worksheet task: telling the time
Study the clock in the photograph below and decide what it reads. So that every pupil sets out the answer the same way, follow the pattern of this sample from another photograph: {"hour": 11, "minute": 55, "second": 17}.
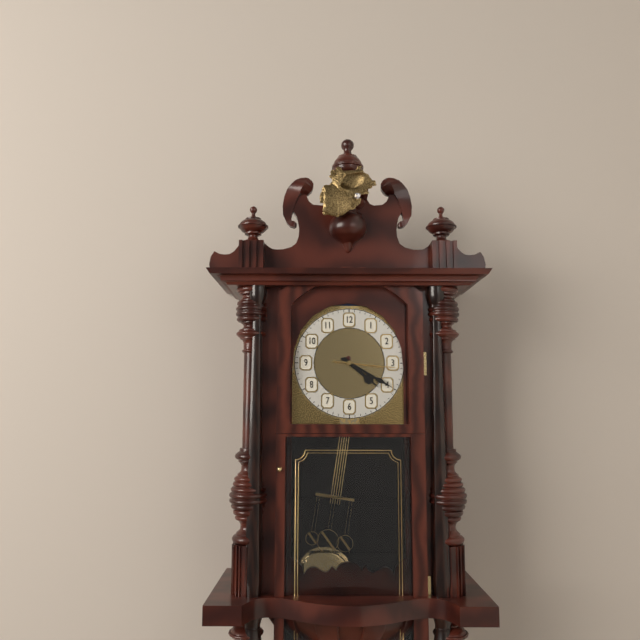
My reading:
{"hour": 4, "minute": 20, "second": 16}
